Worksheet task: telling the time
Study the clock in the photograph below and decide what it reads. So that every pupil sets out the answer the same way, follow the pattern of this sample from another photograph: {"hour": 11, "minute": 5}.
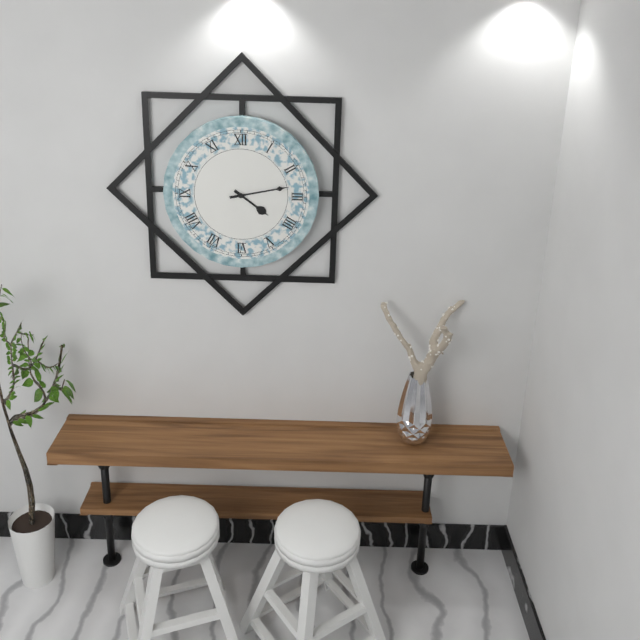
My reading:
{"hour": 4, "minute": 13}
